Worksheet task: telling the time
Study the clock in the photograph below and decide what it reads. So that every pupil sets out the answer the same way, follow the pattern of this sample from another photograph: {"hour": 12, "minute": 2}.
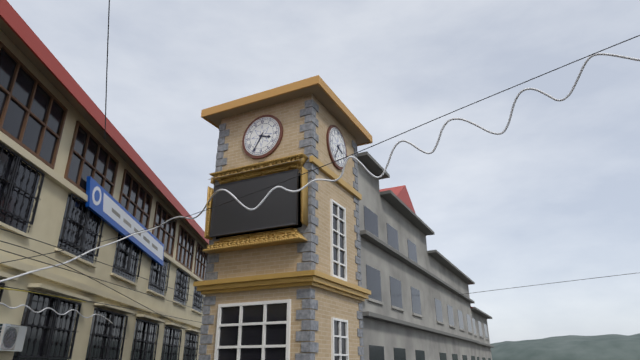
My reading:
{"hour": 3, "minute": 35}
